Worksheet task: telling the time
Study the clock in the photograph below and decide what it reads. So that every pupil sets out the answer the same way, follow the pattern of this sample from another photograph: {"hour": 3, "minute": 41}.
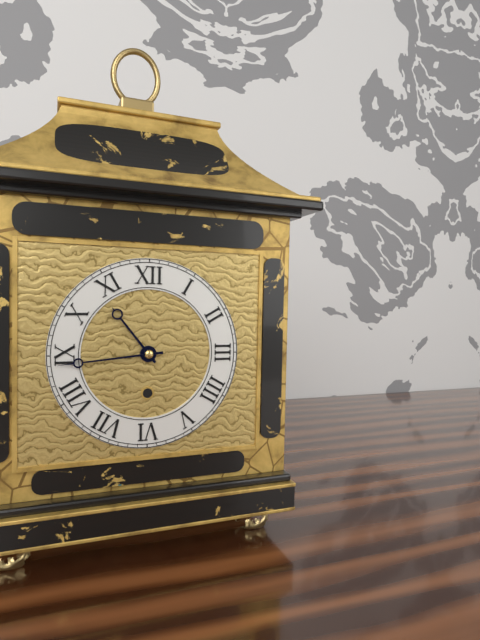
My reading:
{"hour": 10, "minute": 44}
